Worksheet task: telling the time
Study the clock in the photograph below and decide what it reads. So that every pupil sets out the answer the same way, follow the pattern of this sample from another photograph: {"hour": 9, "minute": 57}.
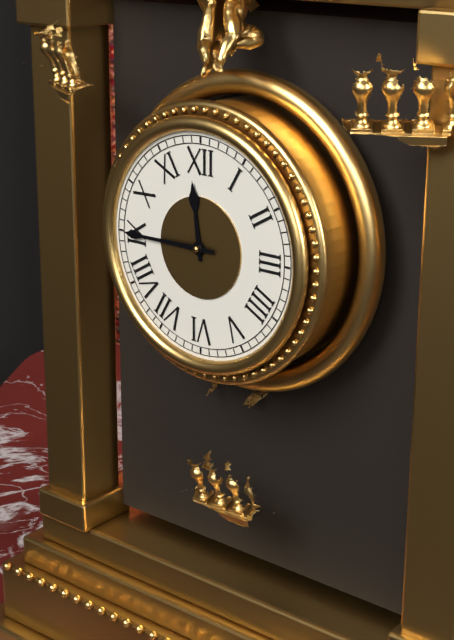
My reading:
{"hour": 11, "minute": 45}
